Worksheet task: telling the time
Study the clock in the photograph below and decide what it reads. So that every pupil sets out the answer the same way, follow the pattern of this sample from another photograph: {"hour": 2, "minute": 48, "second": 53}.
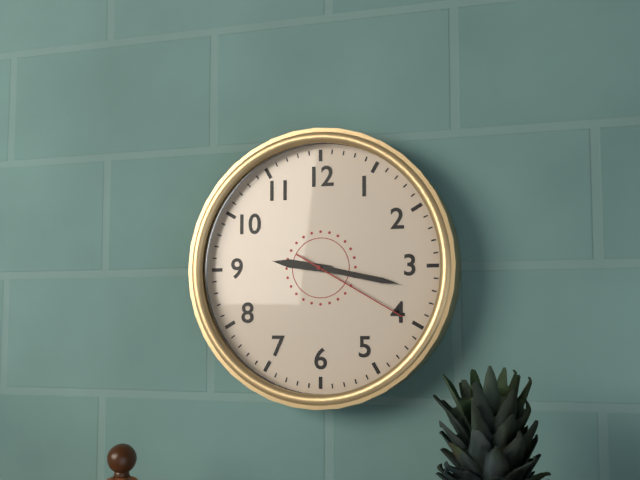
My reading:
{"hour": 9, "minute": 17, "second": 20}
